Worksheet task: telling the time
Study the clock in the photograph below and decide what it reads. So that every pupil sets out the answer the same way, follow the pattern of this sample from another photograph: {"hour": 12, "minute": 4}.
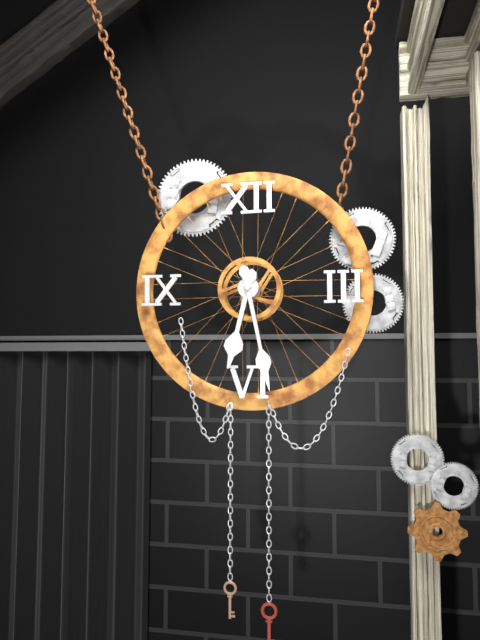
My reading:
{"hour": 6, "minute": 28}
